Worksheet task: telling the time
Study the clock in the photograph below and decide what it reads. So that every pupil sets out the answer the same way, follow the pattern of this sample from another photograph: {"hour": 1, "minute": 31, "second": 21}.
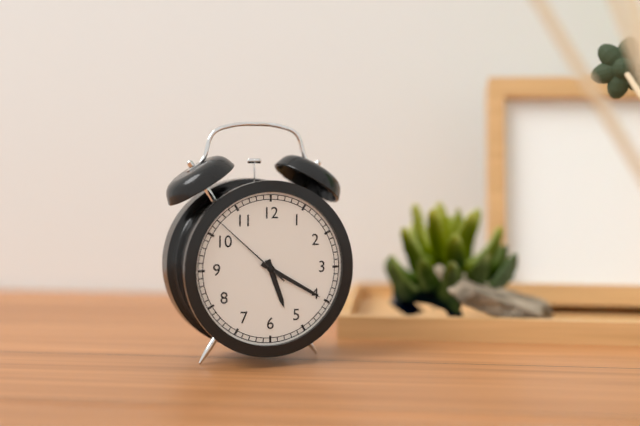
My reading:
{"hour": 5, "minute": 20, "second": 52}
